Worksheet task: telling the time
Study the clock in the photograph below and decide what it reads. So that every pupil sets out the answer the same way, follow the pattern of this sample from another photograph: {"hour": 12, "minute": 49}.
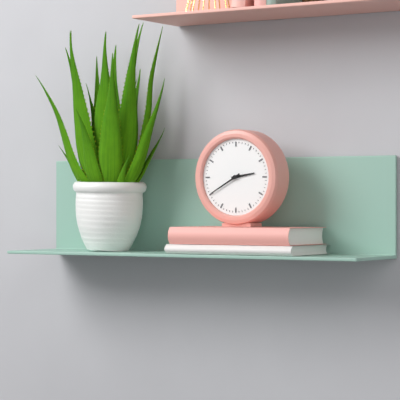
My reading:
{"hour": 2, "minute": 40}
